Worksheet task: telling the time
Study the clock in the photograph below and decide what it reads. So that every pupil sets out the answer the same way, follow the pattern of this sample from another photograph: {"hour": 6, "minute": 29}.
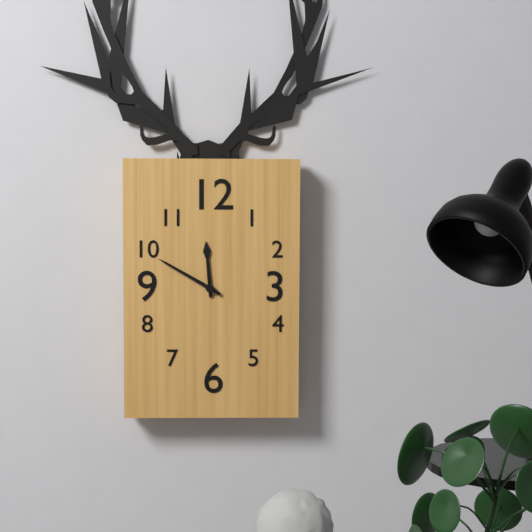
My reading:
{"hour": 11, "minute": 50}
